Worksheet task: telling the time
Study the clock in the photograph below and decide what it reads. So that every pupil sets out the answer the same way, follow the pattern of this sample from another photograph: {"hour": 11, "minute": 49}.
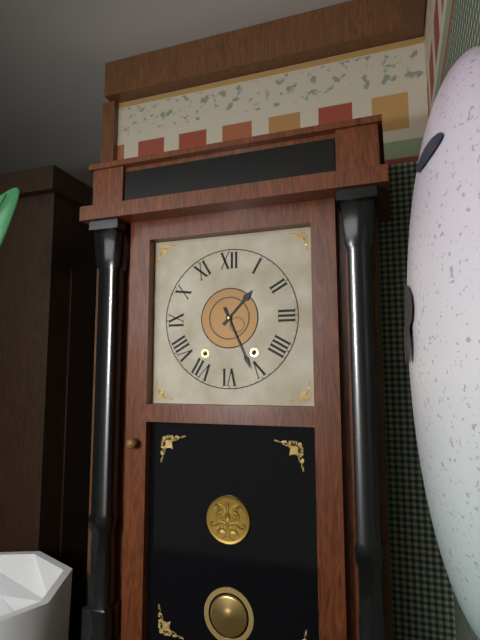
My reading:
{"hour": 1, "minute": 26}
